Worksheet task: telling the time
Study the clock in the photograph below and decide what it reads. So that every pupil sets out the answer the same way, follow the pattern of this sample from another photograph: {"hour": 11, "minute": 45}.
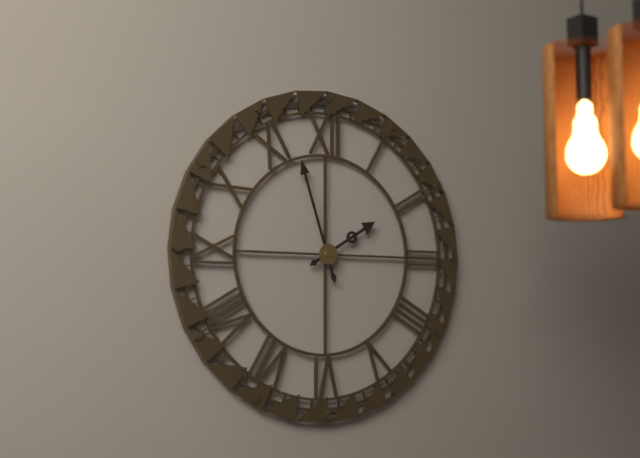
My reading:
{"hour": 1, "minute": 57}
